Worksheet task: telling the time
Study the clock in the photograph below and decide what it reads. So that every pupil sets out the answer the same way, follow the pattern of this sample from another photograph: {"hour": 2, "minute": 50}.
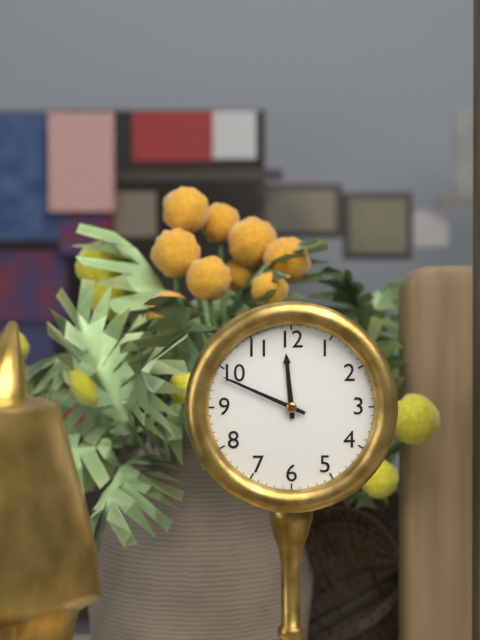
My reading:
{"hour": 11, "minute": 49}
